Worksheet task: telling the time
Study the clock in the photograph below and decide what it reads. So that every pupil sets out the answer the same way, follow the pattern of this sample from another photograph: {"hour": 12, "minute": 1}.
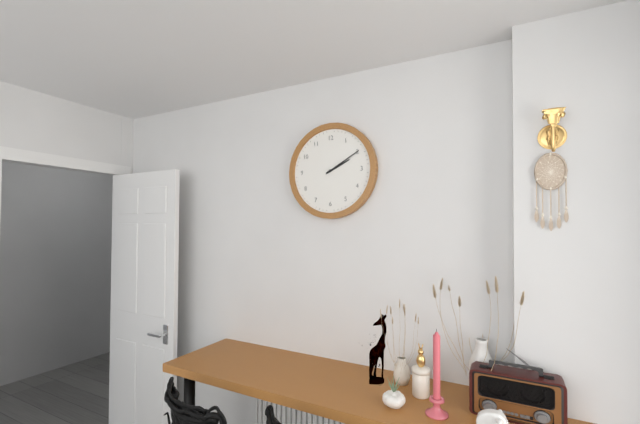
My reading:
{"hour": 2, "minute": 10}
